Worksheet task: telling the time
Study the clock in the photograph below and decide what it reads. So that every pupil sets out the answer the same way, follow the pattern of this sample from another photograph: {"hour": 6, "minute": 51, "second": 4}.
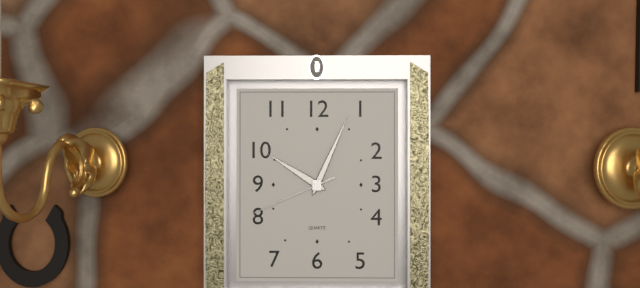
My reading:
{"hour": 10, "minute": 4, "second": 41}
